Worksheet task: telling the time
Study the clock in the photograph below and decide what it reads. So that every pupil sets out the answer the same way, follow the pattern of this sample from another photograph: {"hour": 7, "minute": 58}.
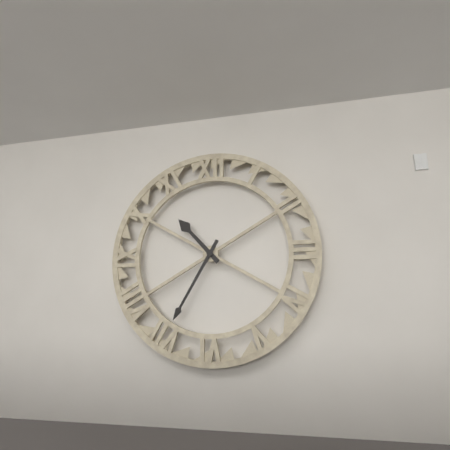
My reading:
{"hour": 10, "minute": 35}
